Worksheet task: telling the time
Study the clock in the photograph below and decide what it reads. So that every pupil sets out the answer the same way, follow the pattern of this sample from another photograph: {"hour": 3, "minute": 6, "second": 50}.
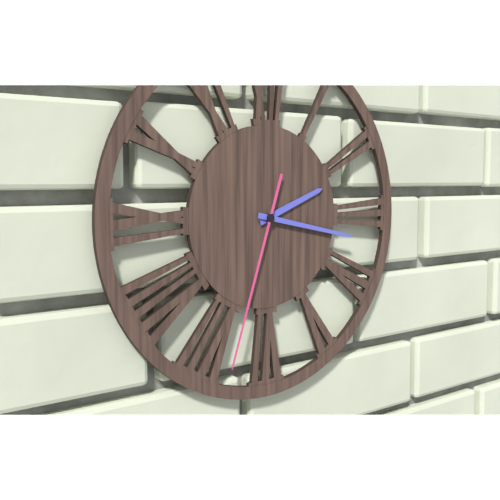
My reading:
{"hour": 2, "minute": 17, "second": 33}
